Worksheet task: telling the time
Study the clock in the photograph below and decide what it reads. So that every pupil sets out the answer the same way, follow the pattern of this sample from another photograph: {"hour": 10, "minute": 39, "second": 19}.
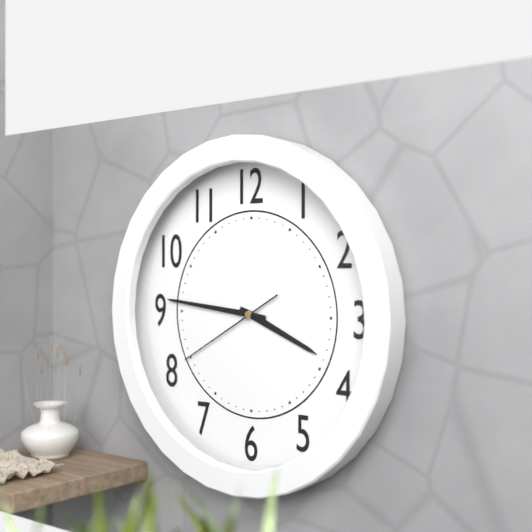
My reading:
{"hour": 3, "minute": 46, "second": 40}
